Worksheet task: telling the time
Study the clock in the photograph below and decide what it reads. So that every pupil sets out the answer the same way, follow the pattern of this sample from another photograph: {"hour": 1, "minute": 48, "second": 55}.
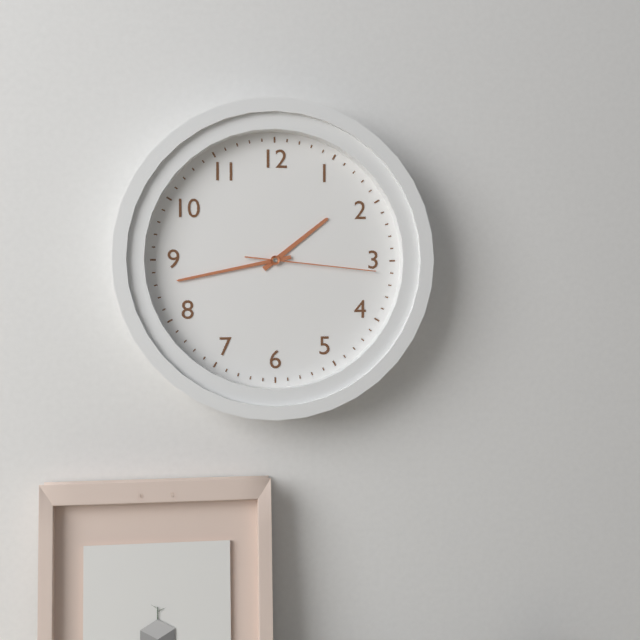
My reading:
{"hour": 1, "minute": 43, "second": 16}
